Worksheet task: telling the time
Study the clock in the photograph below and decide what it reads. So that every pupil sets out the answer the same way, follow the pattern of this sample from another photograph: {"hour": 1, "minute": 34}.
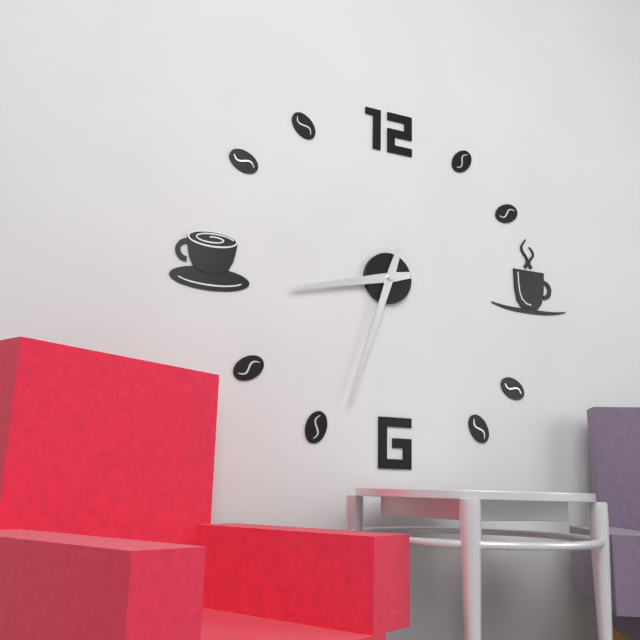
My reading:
{"hour": 8, "minute": 33}
